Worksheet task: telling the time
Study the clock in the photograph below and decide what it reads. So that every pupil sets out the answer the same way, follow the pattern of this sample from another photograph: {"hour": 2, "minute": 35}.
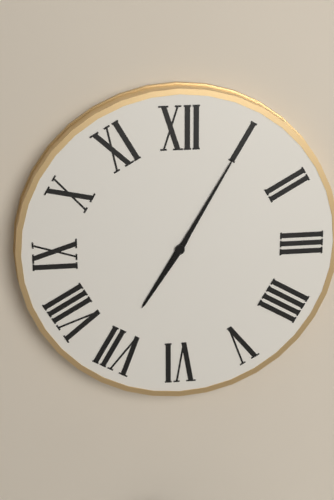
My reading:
{"hour": 7, "minute": 5}
